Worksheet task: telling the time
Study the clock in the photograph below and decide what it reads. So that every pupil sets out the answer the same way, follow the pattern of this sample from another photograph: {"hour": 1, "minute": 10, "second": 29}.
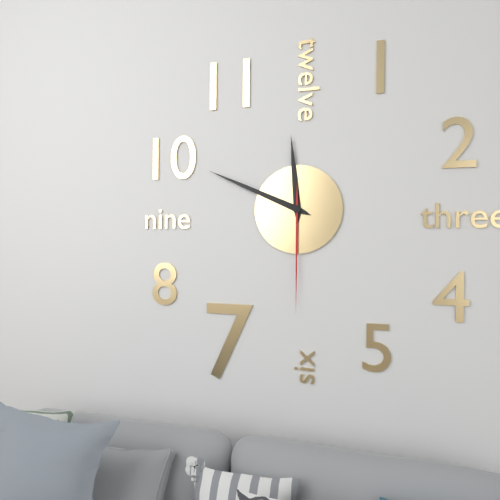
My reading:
{"hour": 11, "minute": 49, "second": 30}
